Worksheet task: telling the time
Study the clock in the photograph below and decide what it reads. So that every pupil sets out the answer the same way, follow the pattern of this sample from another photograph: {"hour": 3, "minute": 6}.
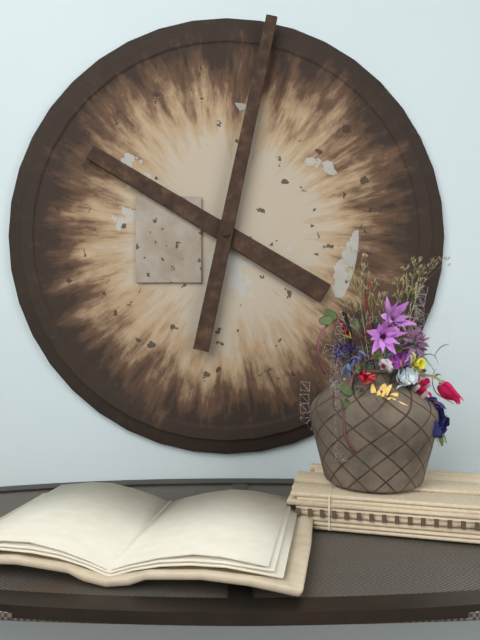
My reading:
{"hour": 10, "minute": 2}
